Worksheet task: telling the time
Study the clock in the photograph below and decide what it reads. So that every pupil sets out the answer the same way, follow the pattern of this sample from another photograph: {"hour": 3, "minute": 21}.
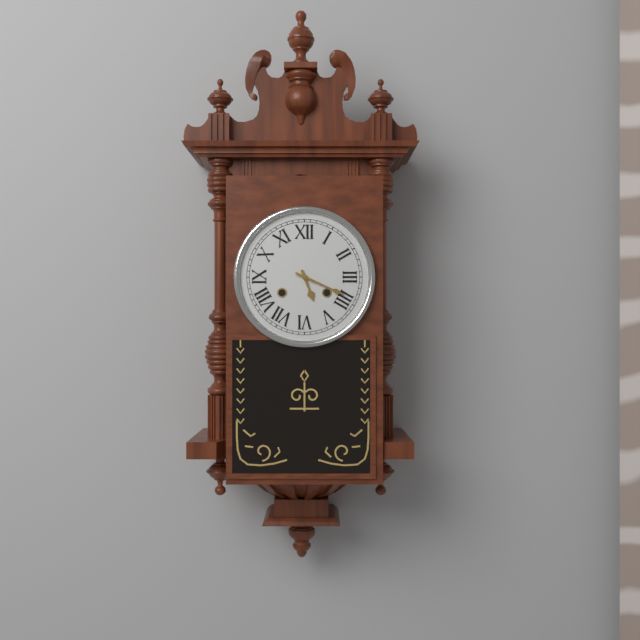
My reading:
{"hour": 5, "minute": 19}
